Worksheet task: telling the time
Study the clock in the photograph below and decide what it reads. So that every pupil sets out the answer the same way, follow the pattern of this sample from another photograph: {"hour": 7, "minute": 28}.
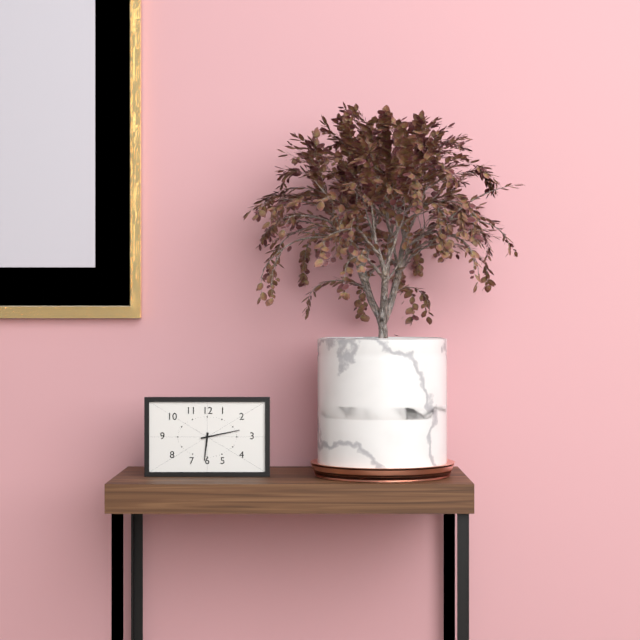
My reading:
{"hour": 6, "minute": 13}
